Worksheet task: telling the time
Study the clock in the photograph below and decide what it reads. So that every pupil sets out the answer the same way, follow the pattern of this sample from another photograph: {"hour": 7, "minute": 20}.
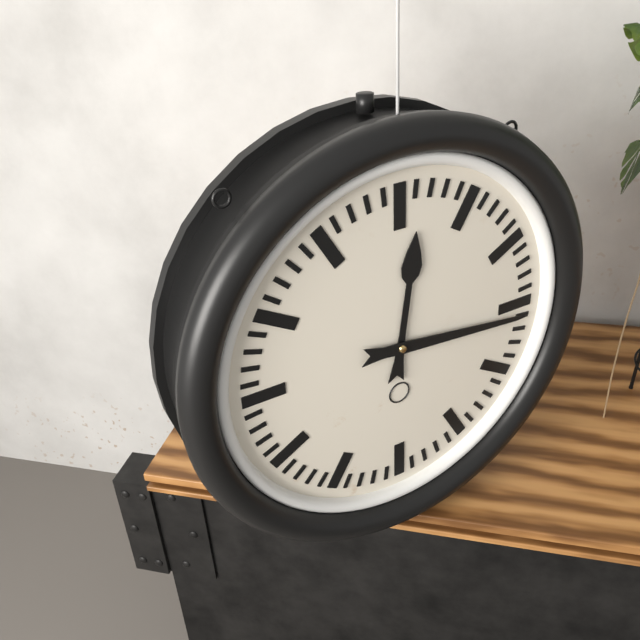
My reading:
{"hour": 12, "minute": 16}
